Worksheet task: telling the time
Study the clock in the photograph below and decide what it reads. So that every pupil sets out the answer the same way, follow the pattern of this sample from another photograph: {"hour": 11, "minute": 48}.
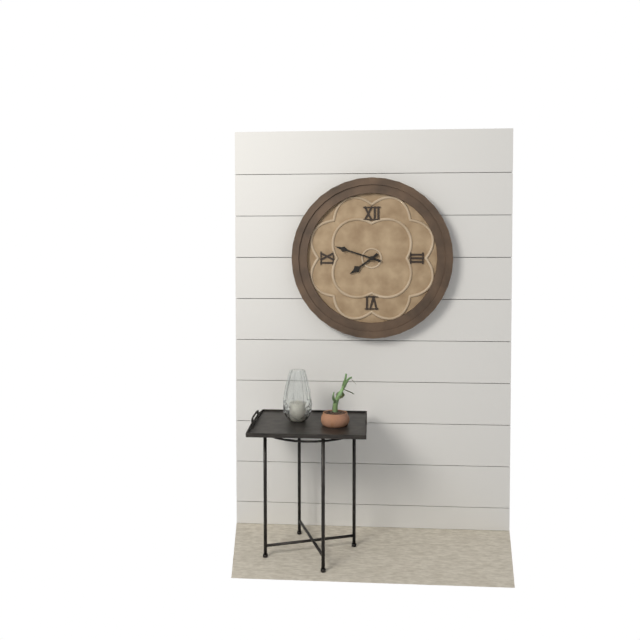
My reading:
{"hour": 7, "minute": 48}
